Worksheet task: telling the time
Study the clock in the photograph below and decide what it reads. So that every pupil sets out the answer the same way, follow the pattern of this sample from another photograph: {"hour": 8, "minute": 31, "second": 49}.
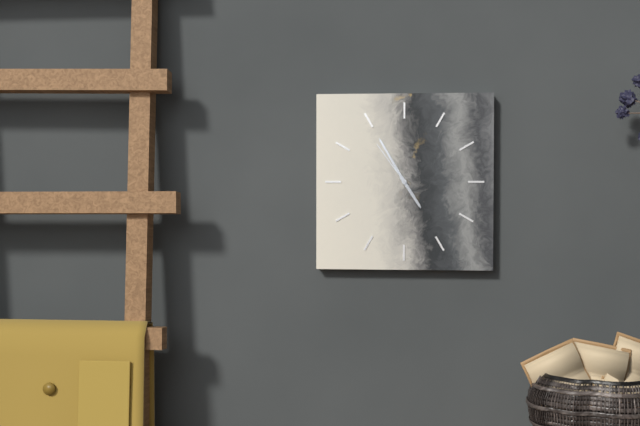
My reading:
{"hour": 4, "minute": 55, "second": 54}
